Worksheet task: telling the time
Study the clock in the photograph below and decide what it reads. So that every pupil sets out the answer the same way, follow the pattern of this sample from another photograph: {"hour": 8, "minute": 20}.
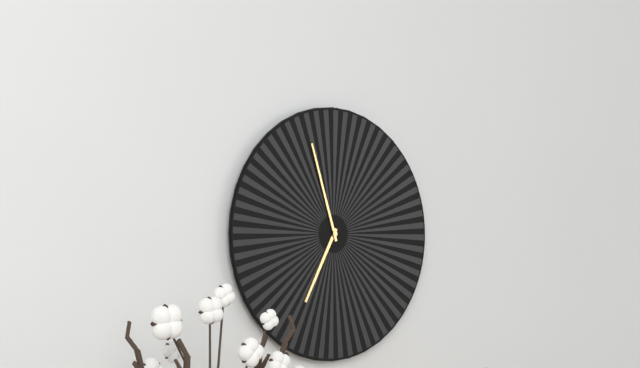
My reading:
{"hour": 6, "minute": 57}
